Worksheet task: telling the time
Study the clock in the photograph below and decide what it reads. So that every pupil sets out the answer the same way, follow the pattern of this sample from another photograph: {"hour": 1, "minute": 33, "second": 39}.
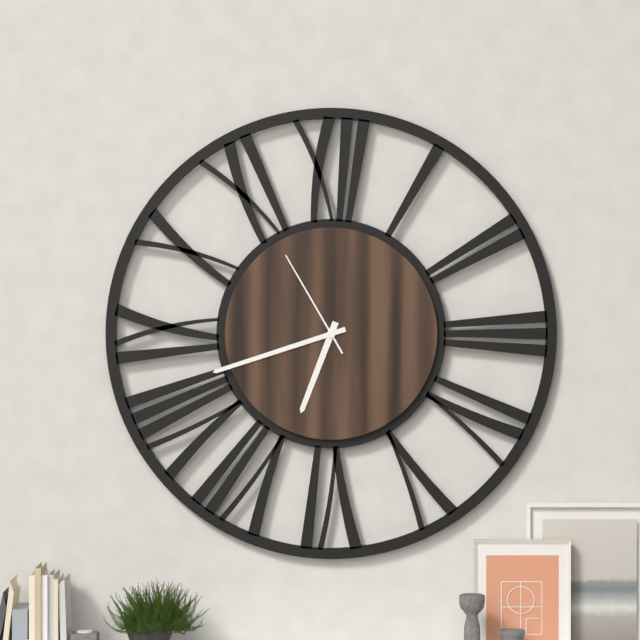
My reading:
{"hour": 6, "minute": 42, "second": 55}
